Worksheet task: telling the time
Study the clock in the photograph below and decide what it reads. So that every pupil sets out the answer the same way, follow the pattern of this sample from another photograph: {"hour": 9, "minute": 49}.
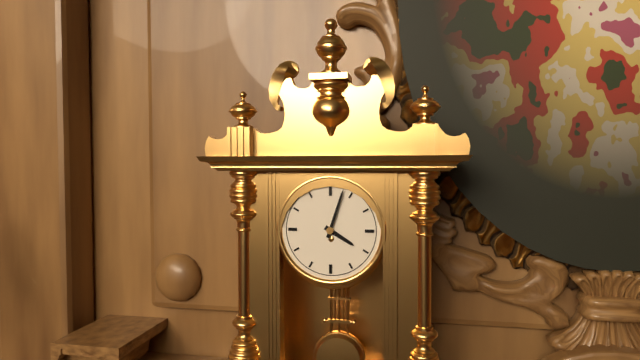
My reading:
{"hour": 4, "minute": 3}
